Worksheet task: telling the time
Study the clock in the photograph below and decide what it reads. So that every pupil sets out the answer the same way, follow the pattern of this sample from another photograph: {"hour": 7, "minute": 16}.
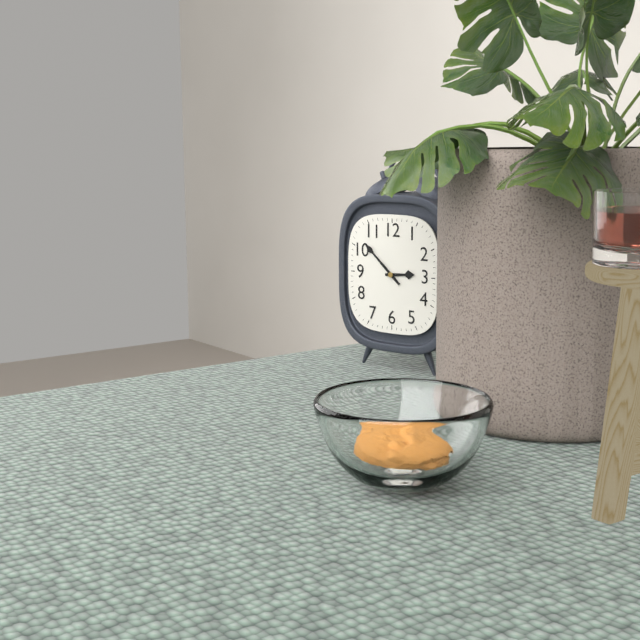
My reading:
{"hour": 2, "minute": 52}
